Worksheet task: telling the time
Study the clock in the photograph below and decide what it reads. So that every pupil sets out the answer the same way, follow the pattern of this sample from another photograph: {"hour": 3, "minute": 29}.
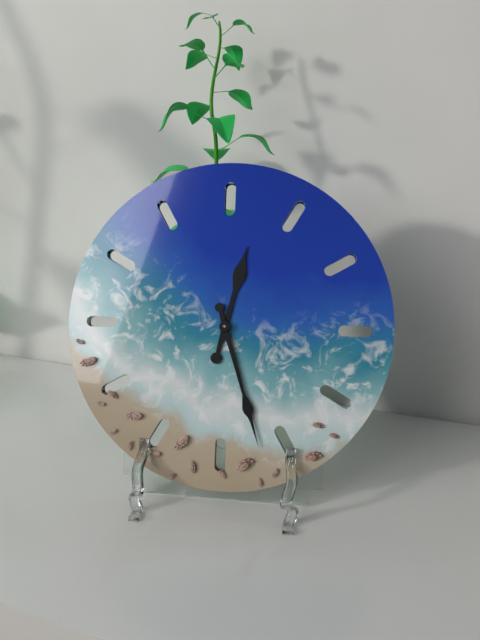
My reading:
{"hour": 12, "minute": 27}
